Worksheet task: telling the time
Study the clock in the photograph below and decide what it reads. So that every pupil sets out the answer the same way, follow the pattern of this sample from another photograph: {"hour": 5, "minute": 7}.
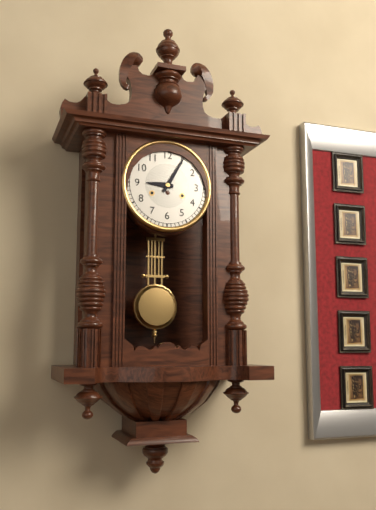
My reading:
{"hour": 9, "minute": 5}
